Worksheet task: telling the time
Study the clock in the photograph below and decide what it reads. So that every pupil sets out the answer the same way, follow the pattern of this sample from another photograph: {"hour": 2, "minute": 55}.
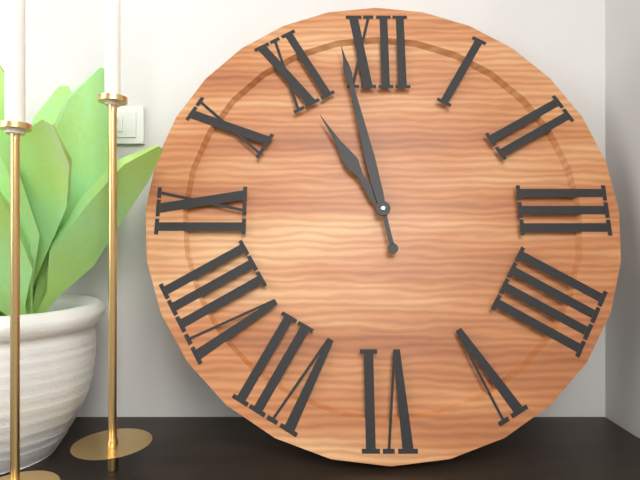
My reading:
{"hour": 10, "minute": 58}
